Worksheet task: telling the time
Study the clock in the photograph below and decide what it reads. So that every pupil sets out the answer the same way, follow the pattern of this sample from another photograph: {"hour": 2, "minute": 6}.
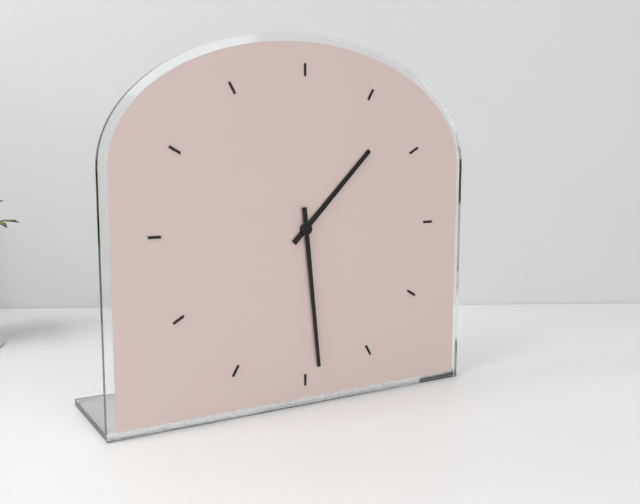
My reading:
{"hour": 1, "minute": 29}
